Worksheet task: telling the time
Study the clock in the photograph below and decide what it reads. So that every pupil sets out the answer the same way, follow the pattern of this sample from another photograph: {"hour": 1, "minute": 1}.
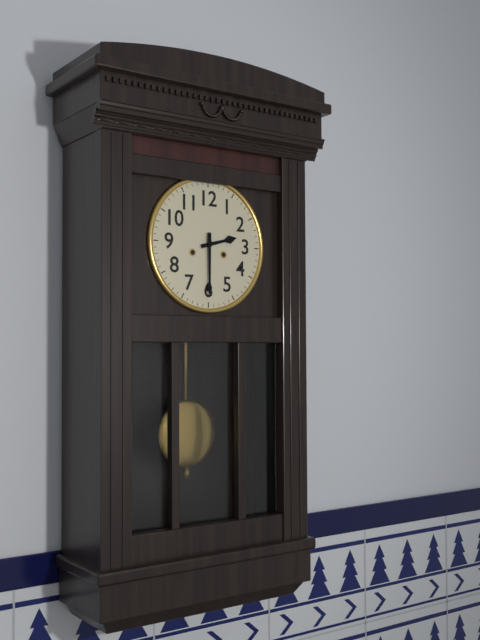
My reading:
{"hour": 2, "minute": 30}
